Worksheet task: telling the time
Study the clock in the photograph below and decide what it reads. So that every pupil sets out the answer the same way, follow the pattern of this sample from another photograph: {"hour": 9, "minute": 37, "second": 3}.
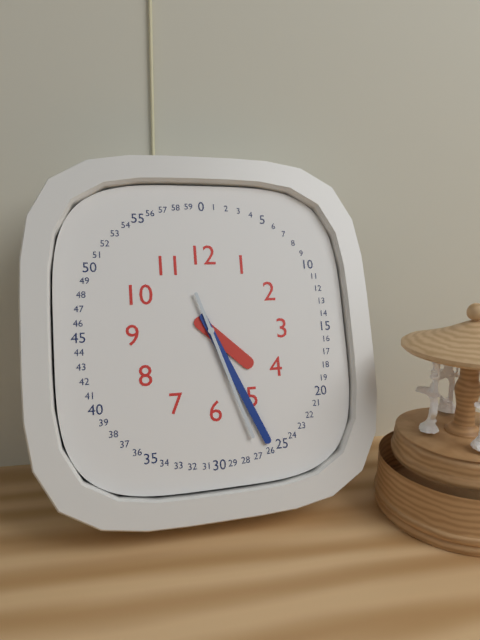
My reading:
{"hour": 4, "minute": 26, "second": 27}
